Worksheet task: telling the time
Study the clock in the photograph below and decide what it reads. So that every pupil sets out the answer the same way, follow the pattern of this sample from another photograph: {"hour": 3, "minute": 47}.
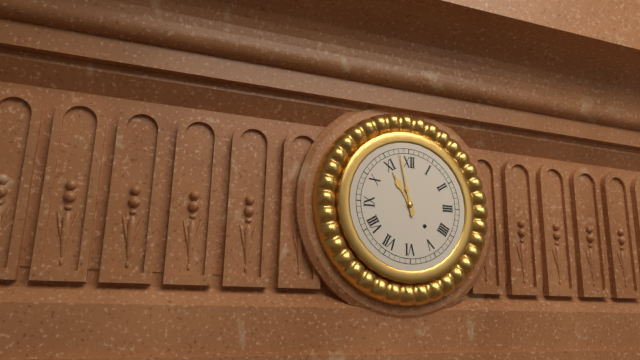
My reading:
{"hour": 10, "minute": 58}
